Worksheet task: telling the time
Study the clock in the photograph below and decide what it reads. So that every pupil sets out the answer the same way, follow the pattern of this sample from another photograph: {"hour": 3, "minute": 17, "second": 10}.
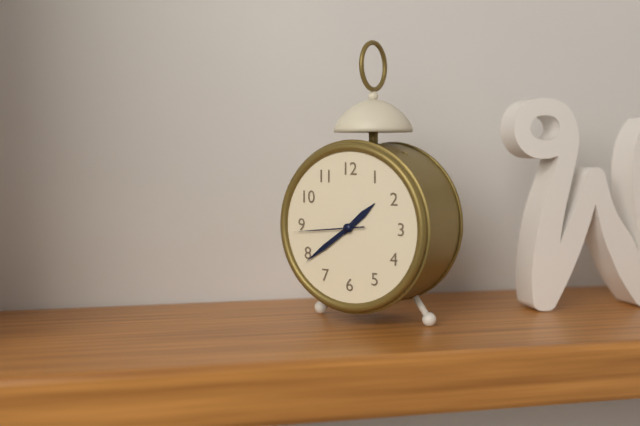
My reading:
{"hour": 1, "minute": 39, "second": 44}
